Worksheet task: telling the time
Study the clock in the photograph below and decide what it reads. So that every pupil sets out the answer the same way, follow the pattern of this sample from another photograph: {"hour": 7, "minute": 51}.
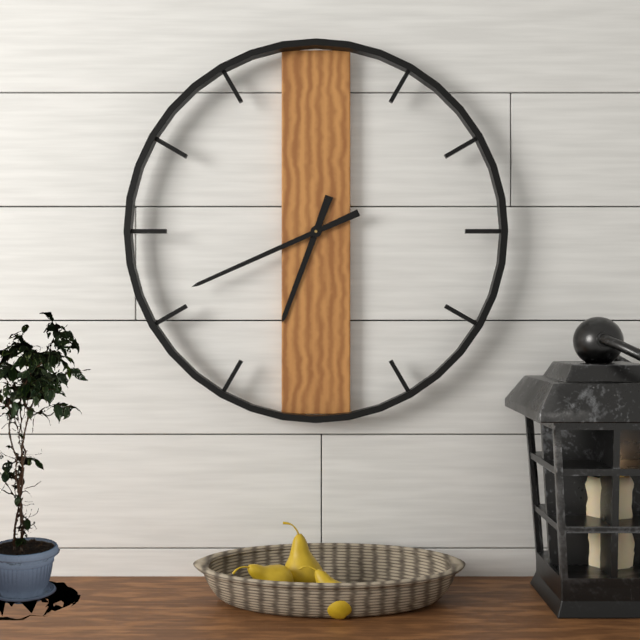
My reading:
{"hour": 6, "minute": 41}
